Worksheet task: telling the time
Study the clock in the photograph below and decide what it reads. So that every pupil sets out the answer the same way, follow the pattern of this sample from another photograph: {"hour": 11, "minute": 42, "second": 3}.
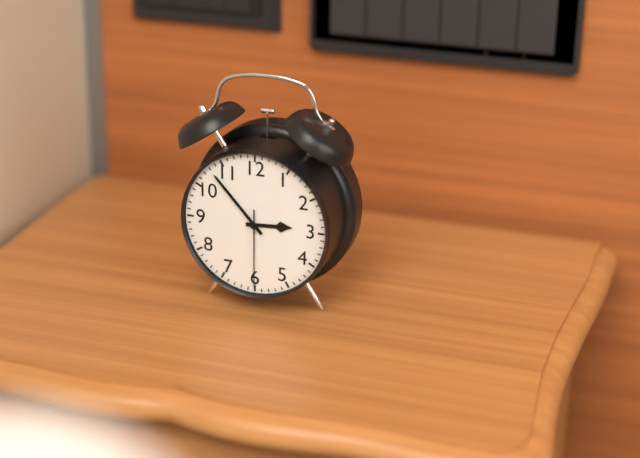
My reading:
{"hour": 2, "minute": 53, "second": 30}
